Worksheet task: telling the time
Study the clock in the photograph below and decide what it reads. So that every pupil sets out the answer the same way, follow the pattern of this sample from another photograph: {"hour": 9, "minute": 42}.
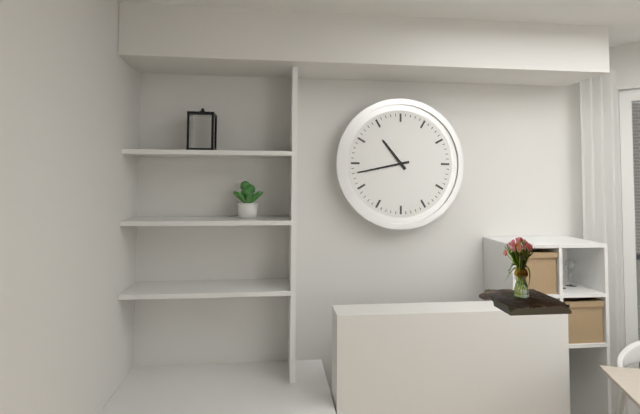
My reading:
{"hour": 10, "minute": 43}
